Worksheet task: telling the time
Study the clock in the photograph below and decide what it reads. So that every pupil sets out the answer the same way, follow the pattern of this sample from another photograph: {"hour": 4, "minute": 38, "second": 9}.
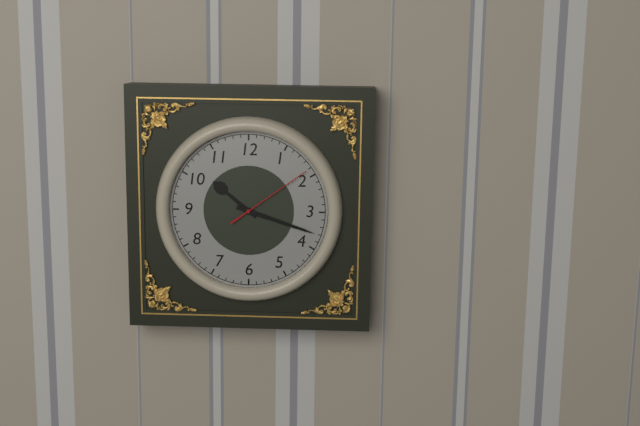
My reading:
{"hour": 10, "minute": 18, "second": 9}
